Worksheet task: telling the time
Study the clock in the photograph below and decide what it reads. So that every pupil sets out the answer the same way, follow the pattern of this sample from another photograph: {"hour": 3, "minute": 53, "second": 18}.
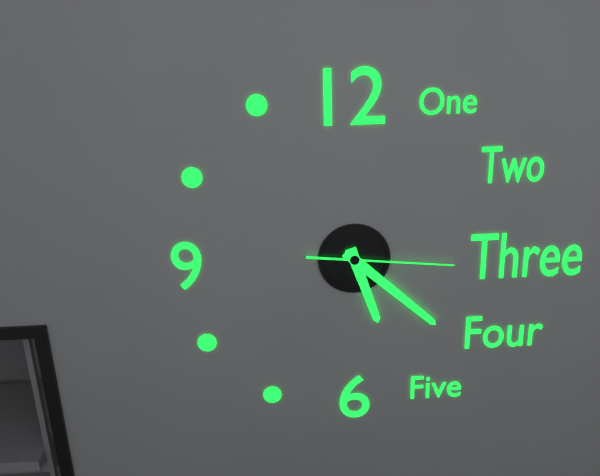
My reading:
{"hour": 5, "minute": 22, "second": 16}
